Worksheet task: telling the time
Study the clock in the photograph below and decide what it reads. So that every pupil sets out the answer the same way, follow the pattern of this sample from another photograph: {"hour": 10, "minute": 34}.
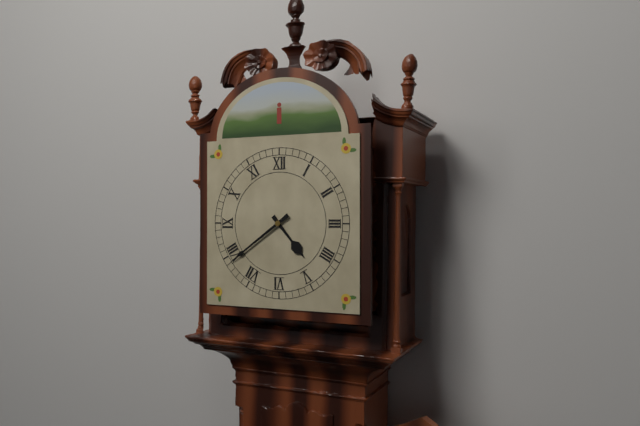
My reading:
{"hour": 4, "minute": 39}
